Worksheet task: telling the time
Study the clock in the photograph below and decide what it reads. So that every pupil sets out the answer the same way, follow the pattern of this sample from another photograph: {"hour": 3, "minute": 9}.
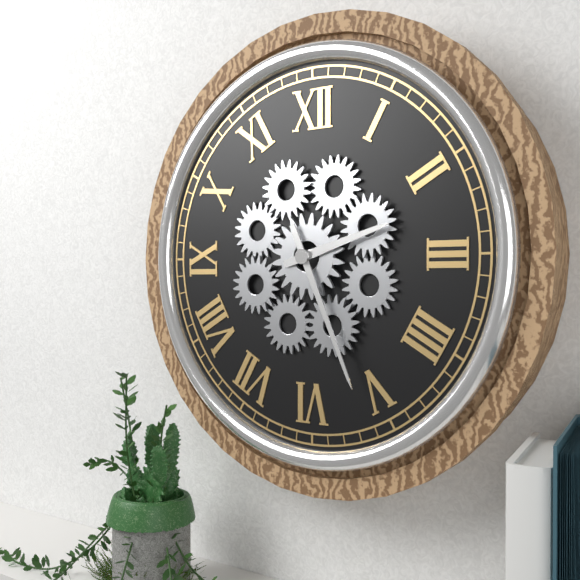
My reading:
{"hour": 2, "minute": 26}
